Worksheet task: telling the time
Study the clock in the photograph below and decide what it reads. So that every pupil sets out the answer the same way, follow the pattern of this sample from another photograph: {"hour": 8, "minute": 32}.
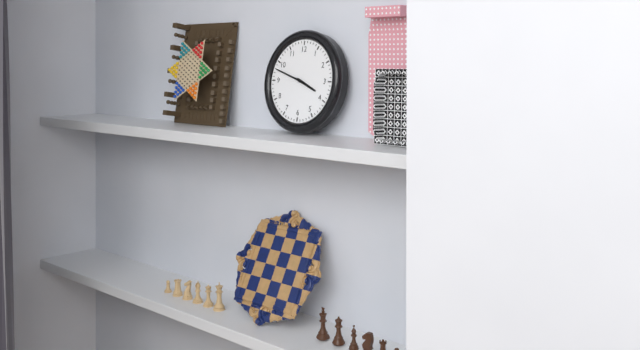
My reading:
{"hour": 3, "minute": 48}
